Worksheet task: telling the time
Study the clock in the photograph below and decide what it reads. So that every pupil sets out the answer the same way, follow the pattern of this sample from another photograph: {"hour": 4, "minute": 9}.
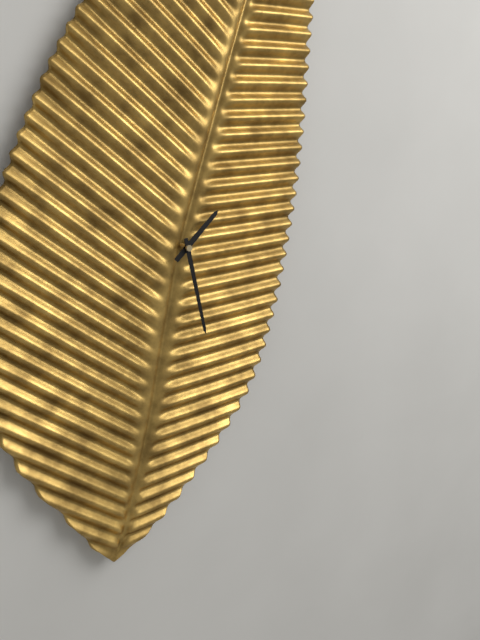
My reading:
{"hour": 1, "minute": 28}
